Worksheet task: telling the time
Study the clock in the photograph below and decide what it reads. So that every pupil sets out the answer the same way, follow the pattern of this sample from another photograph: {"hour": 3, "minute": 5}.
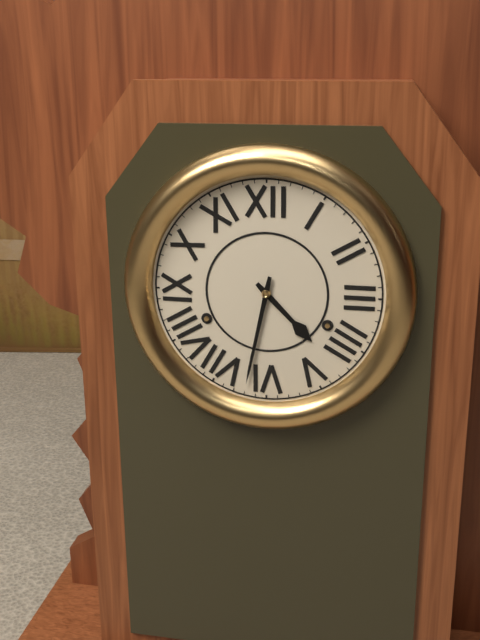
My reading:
{"hour": 4, "minute": 32}
